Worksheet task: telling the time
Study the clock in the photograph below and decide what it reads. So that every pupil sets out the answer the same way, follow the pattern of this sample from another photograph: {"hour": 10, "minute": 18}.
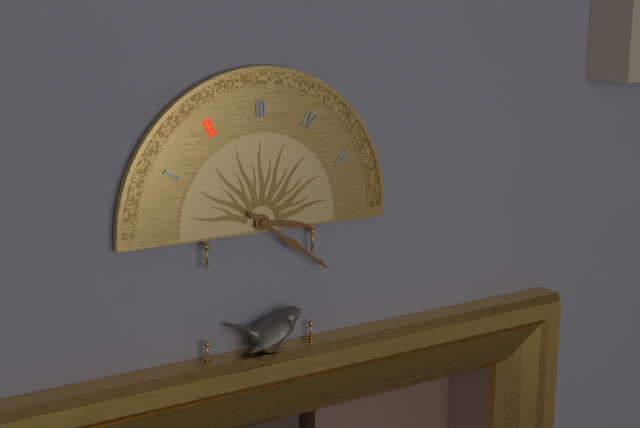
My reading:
{"hour": 3, "minute": 21}
